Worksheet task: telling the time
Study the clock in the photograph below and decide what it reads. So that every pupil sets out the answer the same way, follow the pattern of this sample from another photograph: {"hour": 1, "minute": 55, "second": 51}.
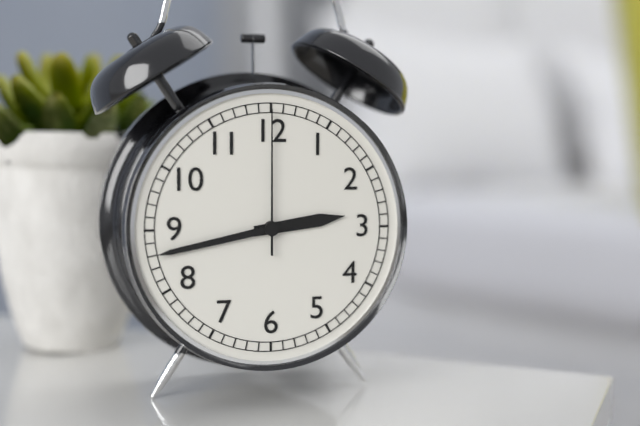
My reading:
{"hour": 2, "minute": 43, "second": 0}
